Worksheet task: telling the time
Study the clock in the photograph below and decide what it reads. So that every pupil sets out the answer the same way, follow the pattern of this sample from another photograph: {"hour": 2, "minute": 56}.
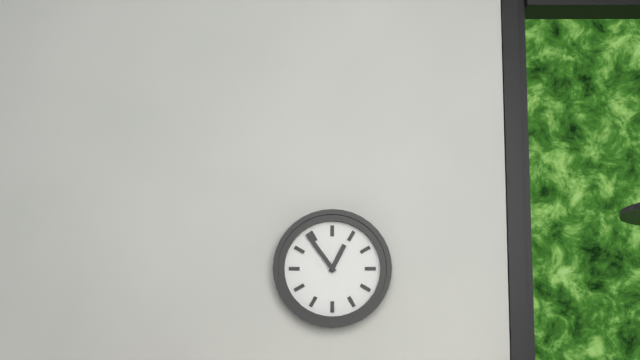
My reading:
{"hour": 12, "minute": 54}
